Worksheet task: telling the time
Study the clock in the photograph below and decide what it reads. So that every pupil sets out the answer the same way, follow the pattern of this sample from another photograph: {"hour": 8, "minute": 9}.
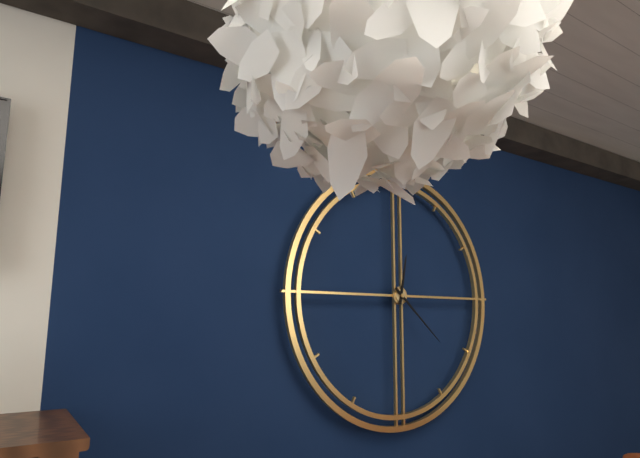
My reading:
{"hour": 12, "minute": 22}
